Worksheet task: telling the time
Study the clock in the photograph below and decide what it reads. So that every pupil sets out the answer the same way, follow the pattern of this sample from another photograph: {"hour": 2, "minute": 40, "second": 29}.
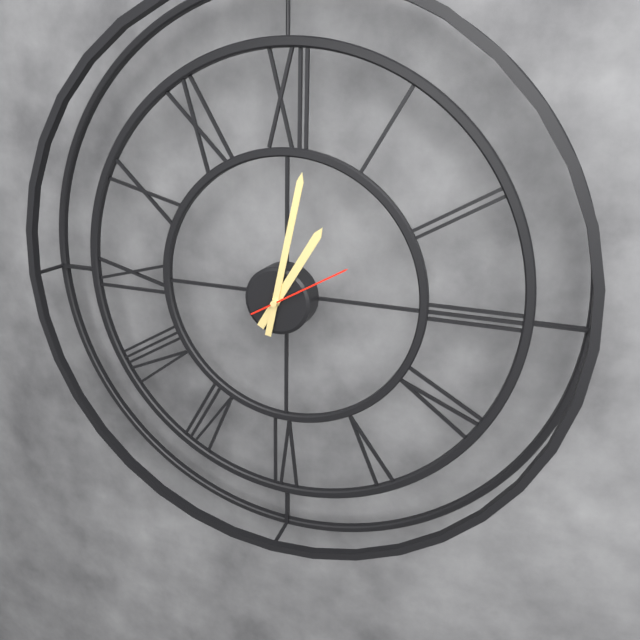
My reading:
{"hour": 1, "minute": 2, "second": 10}
